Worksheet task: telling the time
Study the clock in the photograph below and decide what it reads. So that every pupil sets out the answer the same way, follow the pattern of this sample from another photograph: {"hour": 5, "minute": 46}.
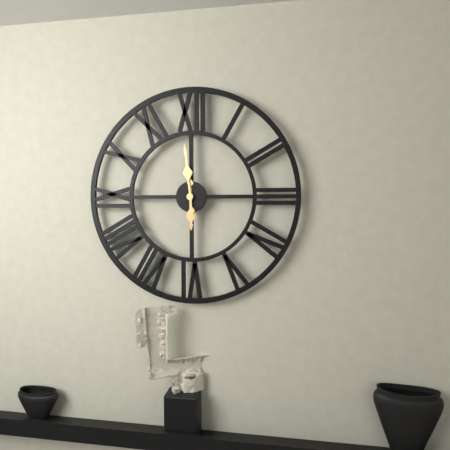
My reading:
{"hour": 5, "minute": 59}
